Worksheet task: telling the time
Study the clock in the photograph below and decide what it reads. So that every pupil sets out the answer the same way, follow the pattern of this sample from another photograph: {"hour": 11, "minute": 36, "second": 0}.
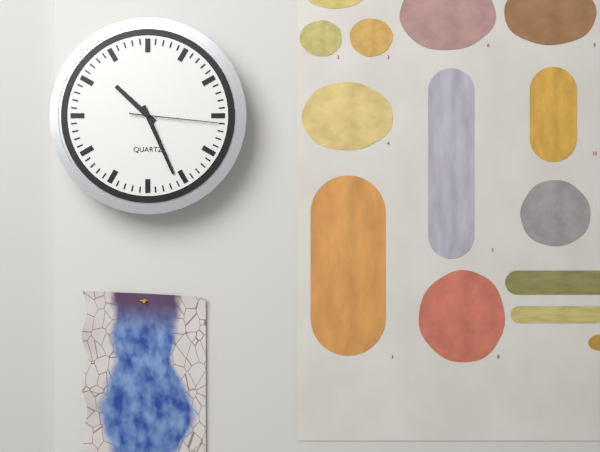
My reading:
{"hour": 10, "minute": 26, "second": 16}
